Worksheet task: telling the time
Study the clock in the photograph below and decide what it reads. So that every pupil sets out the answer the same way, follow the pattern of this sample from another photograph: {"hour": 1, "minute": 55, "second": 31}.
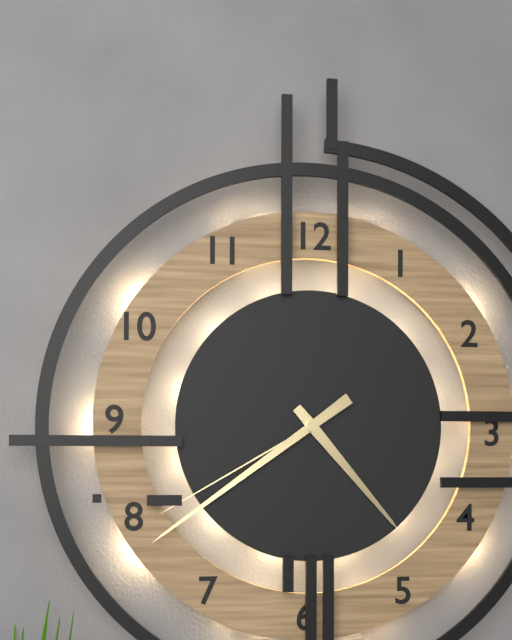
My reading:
{"hour": 4, "minute": 39, "second": 40}
